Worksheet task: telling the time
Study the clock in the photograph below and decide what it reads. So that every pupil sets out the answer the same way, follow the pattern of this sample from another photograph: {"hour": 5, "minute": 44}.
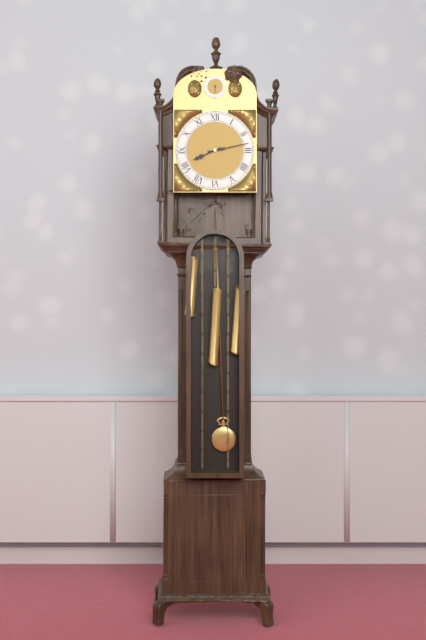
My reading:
{"hour": 8, "minute": 13}
